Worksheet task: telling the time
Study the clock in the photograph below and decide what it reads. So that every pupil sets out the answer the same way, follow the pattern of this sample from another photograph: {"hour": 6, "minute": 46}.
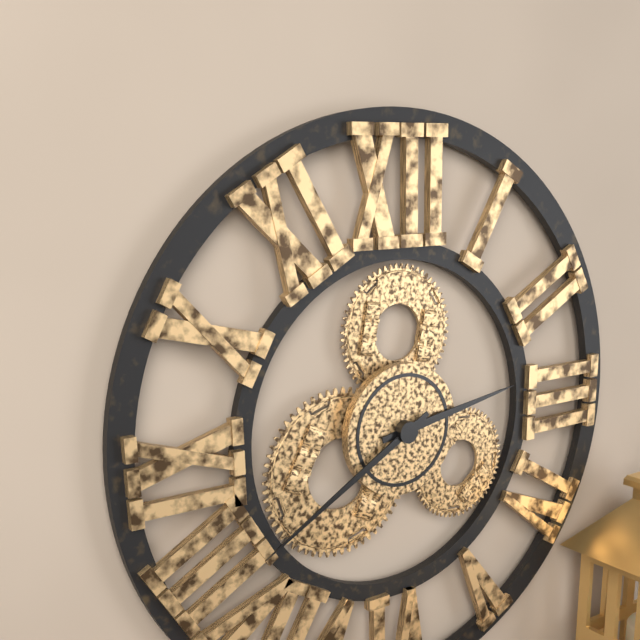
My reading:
{"hour": 2, "minute": 40}
